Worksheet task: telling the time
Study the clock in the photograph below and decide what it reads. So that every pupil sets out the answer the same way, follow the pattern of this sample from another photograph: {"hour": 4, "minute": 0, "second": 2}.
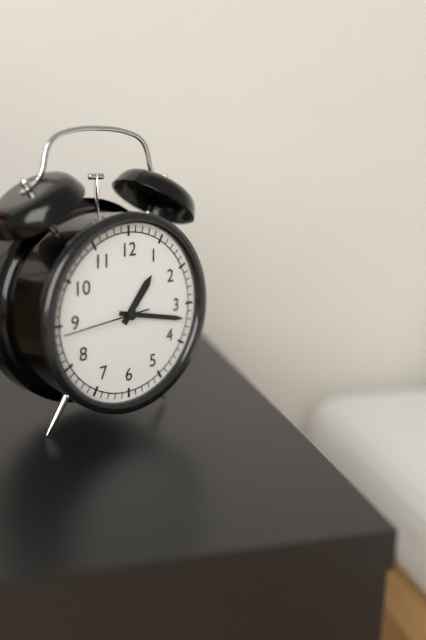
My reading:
{"hour": 1, "minute": 17, "second": 44}
